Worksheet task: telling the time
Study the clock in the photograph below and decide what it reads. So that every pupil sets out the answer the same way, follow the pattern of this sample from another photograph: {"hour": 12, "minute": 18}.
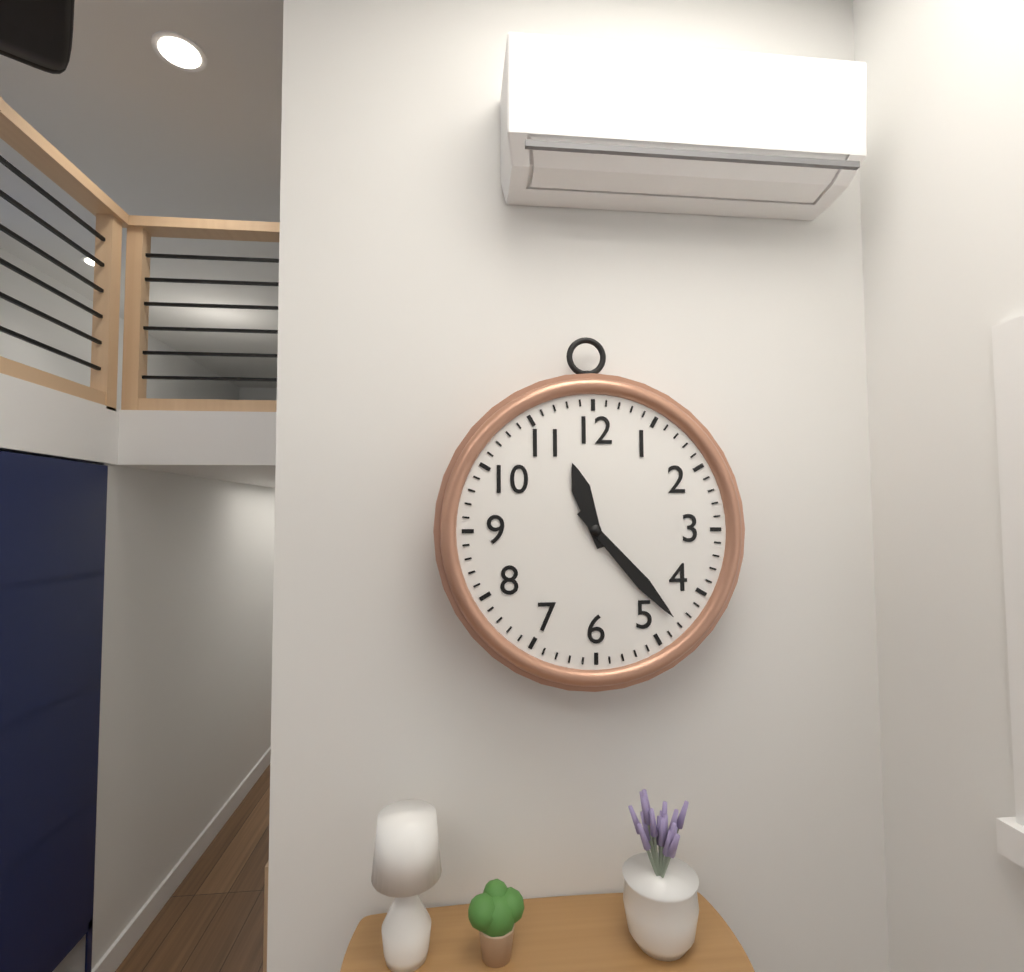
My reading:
{"hour": 11, "minute": 23}
